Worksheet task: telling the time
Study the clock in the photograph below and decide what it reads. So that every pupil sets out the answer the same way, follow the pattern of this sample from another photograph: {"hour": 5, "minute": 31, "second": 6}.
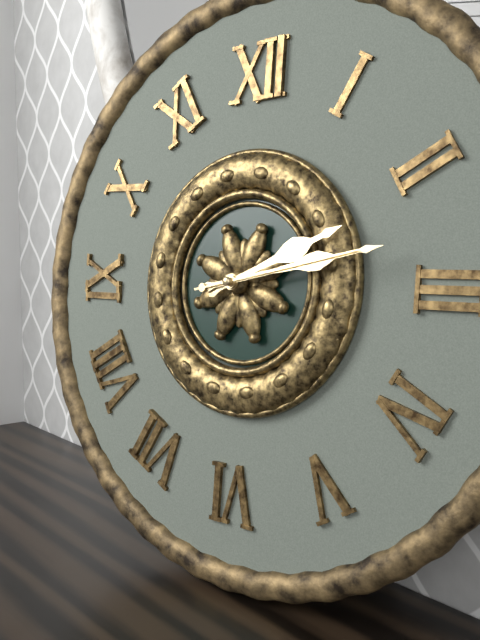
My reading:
{"hour": 2, "minute": 13, "second": 13}
